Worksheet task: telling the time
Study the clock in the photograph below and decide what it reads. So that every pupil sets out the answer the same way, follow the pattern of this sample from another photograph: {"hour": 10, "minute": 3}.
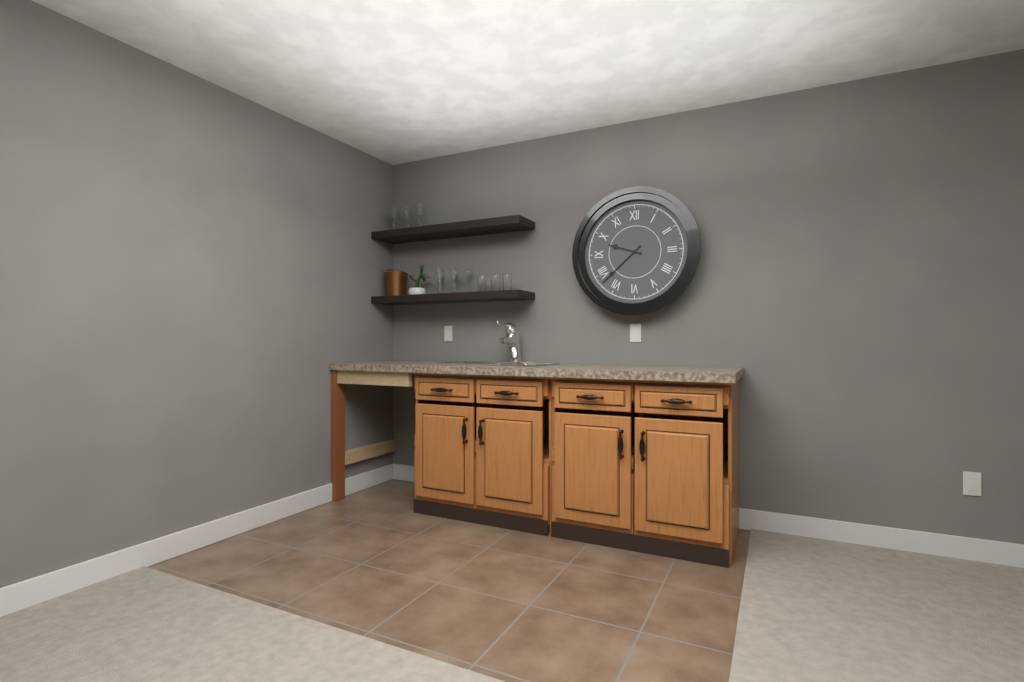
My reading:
{"hour": 9, "minute": 38}
